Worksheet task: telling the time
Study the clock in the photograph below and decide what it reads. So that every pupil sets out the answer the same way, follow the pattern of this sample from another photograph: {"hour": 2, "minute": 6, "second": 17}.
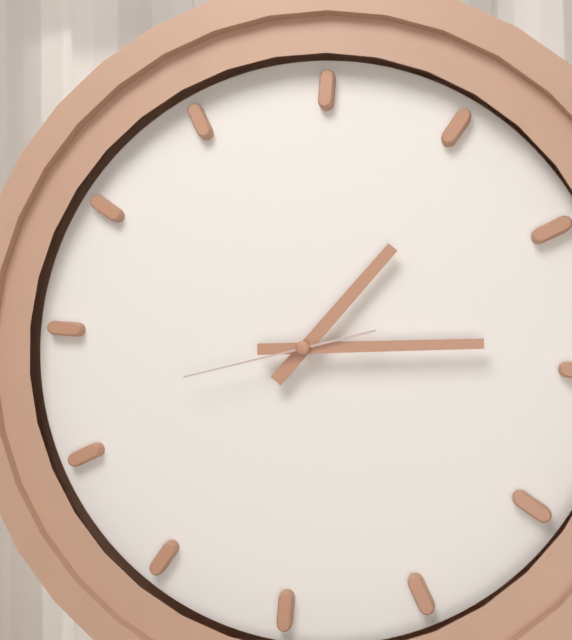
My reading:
{"hour": 1, "minute": 14, "second": 42}
